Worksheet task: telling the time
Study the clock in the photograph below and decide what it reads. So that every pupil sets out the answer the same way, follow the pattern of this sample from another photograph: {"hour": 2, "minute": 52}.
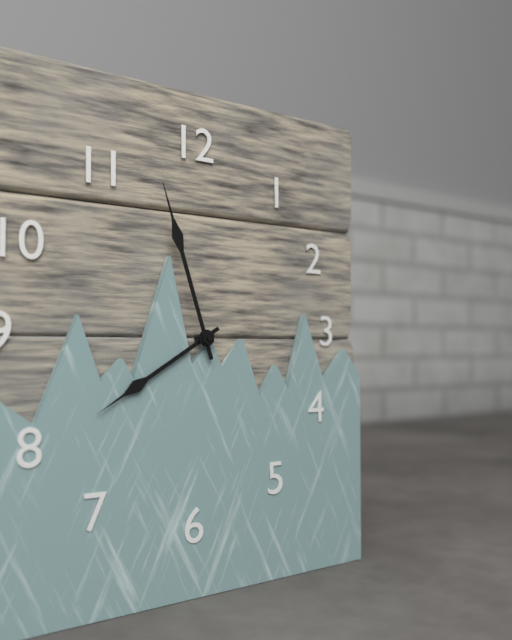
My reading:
{"hour": 7, "minute": 57}
